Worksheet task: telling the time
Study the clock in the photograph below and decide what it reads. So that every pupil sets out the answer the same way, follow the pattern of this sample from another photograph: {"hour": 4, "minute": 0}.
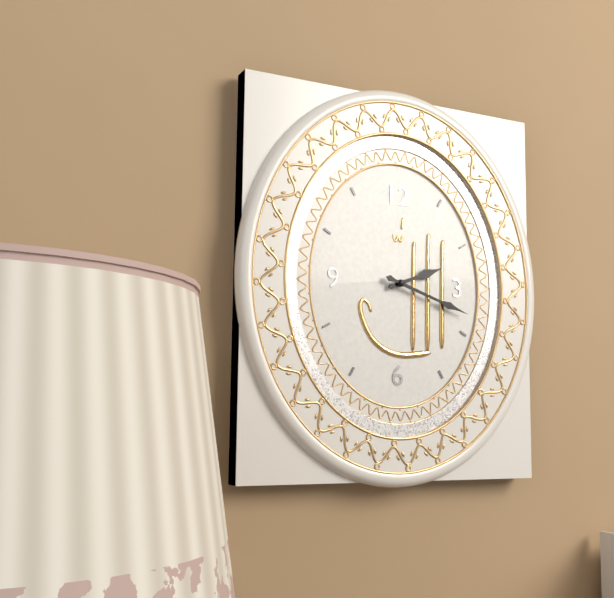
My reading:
{"hour": 2, "minute": 18}
